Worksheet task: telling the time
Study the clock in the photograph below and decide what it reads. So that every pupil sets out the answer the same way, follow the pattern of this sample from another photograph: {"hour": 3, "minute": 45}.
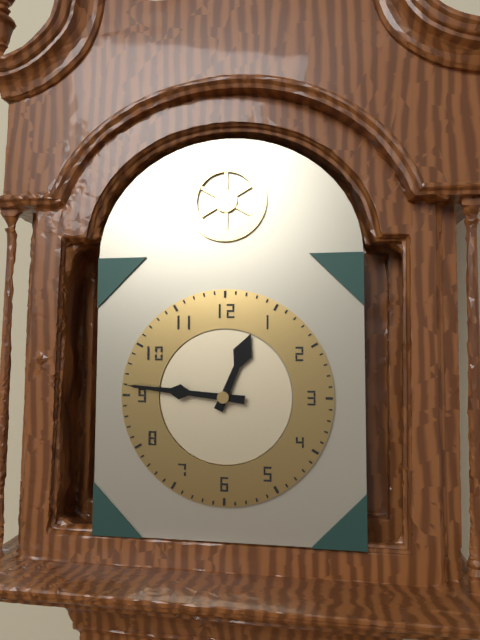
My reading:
{"hour": 12, "minute": 46}
